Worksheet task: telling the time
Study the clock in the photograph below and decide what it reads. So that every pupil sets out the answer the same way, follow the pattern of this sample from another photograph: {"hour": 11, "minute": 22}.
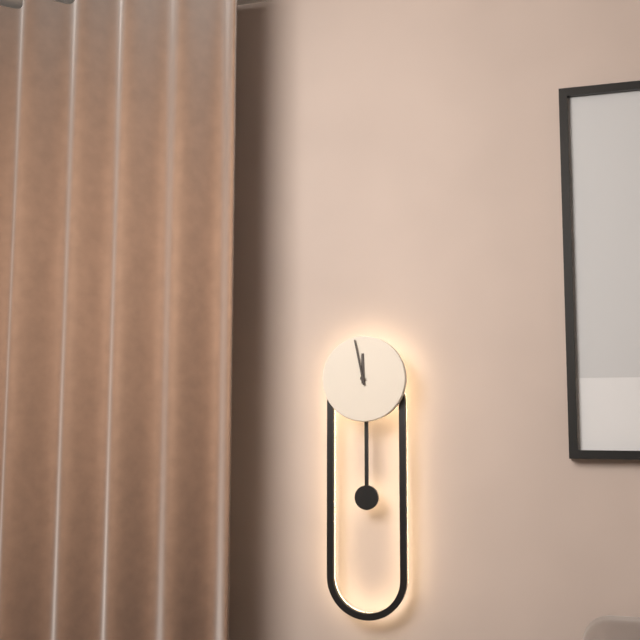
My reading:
{"hour": 11, "minute": 58}
